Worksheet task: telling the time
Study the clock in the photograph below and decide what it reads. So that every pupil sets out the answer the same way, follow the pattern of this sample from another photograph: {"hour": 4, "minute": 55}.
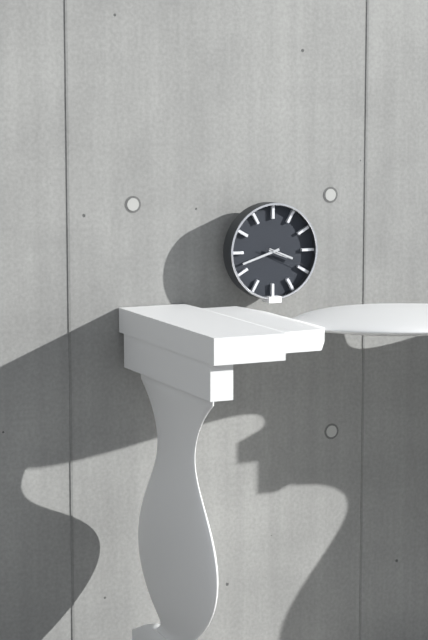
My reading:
{"hour": 3, "minute": 42}
